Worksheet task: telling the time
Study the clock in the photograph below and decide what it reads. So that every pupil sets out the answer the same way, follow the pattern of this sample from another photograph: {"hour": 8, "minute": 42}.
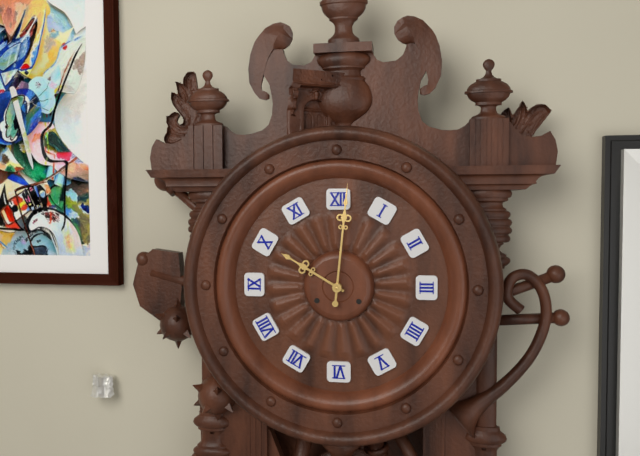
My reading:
{"hour": 10, "minute": 1}
